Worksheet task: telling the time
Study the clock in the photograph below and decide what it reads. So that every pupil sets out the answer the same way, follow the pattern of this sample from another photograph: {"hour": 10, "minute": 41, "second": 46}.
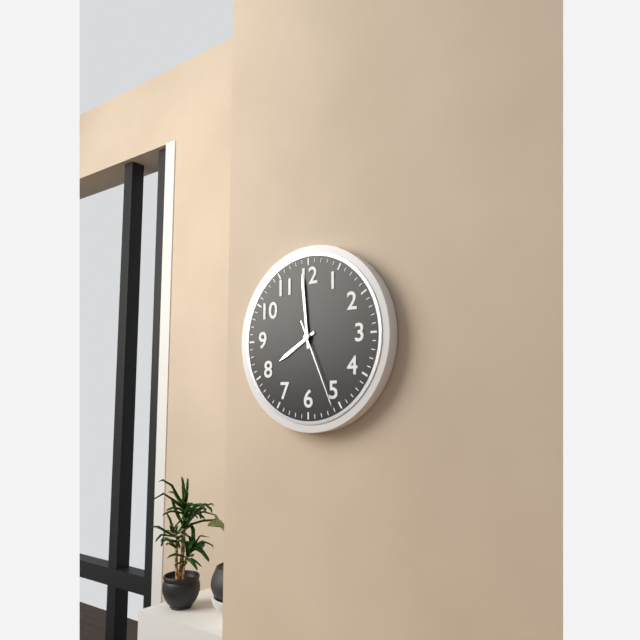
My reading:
{"hour": 7, "minute": 59, "second": 26}
